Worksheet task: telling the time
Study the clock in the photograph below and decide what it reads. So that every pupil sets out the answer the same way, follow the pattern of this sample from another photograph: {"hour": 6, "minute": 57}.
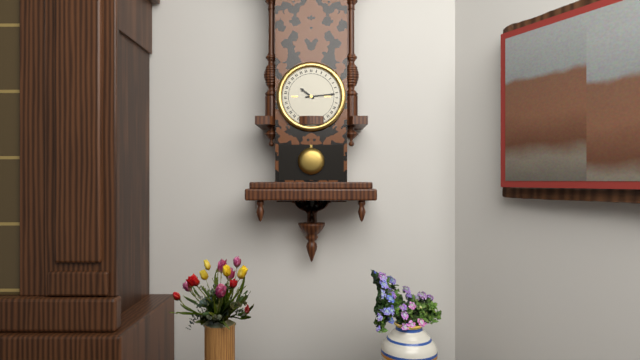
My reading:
{"hour": 10, "minute": 14}
